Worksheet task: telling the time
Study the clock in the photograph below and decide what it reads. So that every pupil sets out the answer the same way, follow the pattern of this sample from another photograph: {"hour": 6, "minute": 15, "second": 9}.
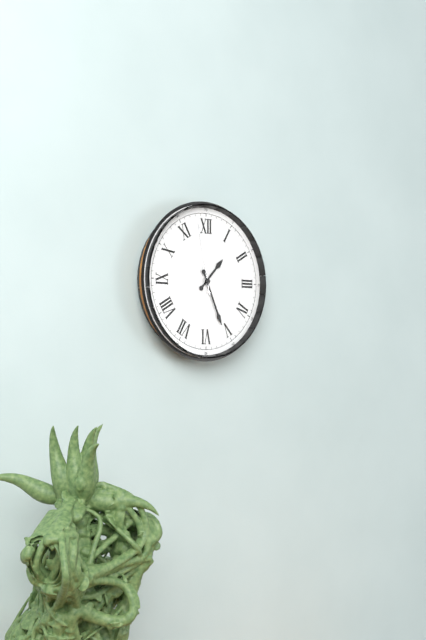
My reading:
{"hour": 1, "minute": 26, "second": 58}
